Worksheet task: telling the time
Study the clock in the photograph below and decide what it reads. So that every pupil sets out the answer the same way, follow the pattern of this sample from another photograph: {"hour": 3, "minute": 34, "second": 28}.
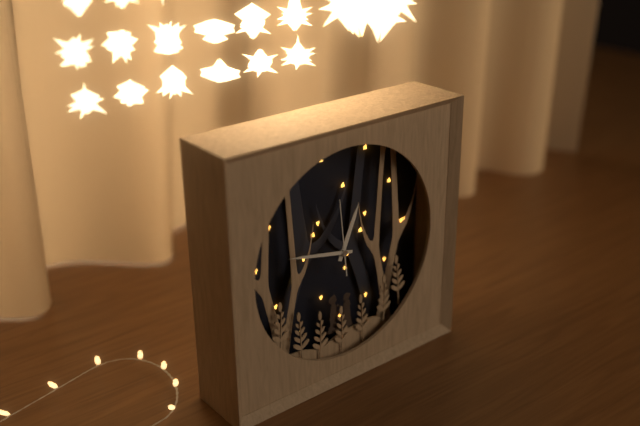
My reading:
{"hour": 12, "minute": 47, "second": 59}
